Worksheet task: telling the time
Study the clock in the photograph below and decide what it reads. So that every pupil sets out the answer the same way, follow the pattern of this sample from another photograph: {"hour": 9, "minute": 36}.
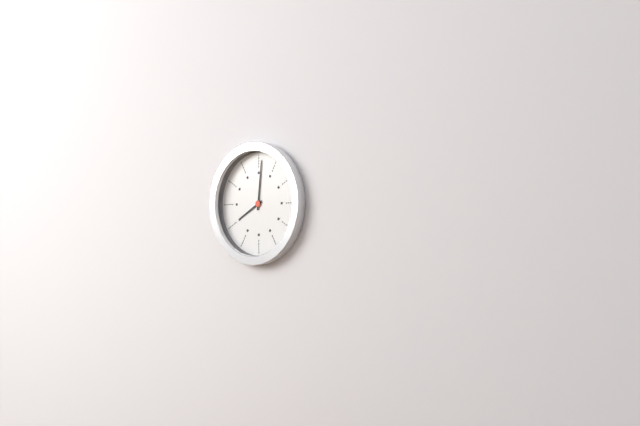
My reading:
{"hour": 8, "minute": 1}
